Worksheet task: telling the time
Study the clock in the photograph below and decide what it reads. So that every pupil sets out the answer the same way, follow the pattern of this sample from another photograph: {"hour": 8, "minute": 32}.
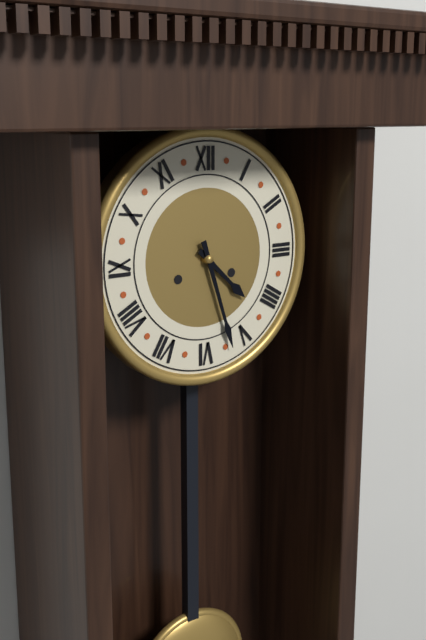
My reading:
{"hour": 4, "minute": 27}
